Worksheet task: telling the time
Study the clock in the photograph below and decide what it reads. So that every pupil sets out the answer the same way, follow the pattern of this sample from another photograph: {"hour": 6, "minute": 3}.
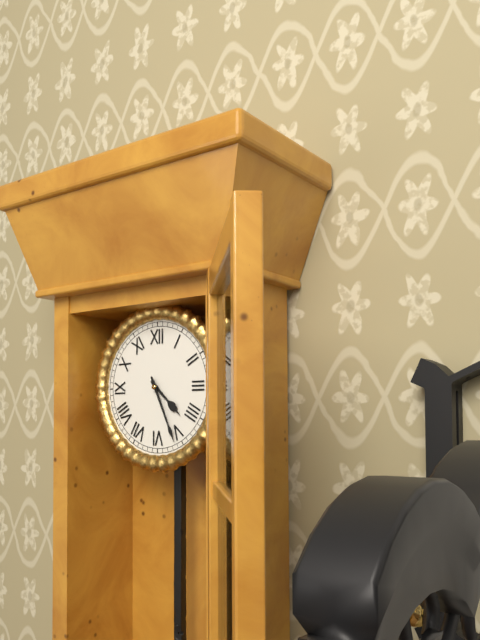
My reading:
{"hour": 4, "minute": 26}
